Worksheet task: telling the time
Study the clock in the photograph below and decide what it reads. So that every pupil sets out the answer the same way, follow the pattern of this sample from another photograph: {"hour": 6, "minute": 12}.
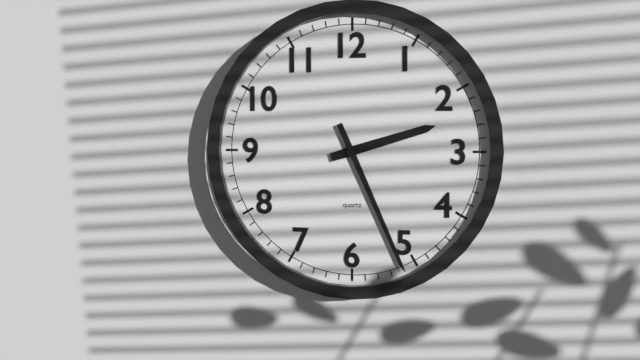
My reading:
{"hour": 2, "minute": 26}
